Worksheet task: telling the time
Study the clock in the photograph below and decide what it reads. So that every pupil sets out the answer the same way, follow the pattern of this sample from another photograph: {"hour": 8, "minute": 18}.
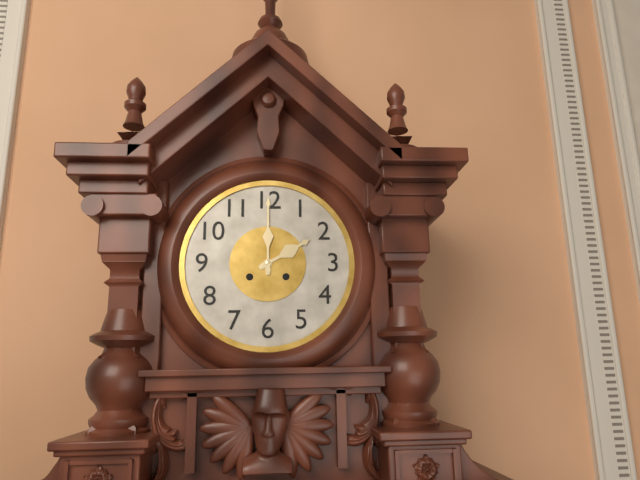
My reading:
{"hour": 2, "minute": 0}
